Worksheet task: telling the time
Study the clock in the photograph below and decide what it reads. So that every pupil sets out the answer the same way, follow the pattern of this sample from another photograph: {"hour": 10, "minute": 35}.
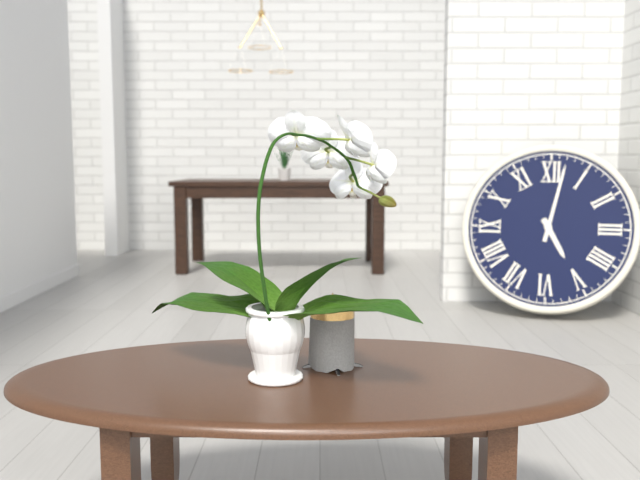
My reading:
{"hour": 5, "minute": 2}
